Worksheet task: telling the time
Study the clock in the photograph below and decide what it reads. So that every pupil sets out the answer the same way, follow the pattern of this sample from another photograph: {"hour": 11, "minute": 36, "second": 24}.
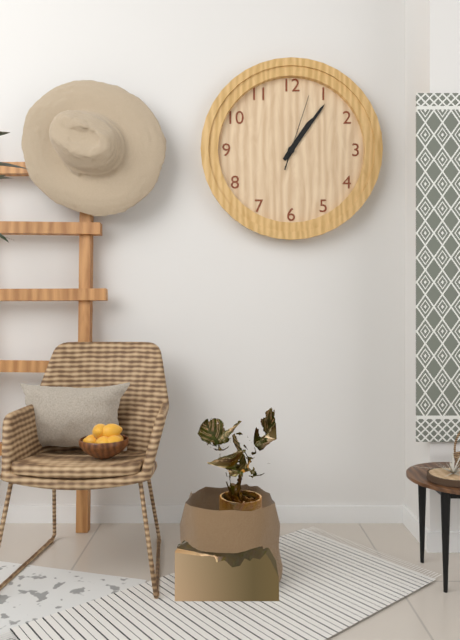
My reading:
{"hour": 1, "minute": 6, "second": 3}
